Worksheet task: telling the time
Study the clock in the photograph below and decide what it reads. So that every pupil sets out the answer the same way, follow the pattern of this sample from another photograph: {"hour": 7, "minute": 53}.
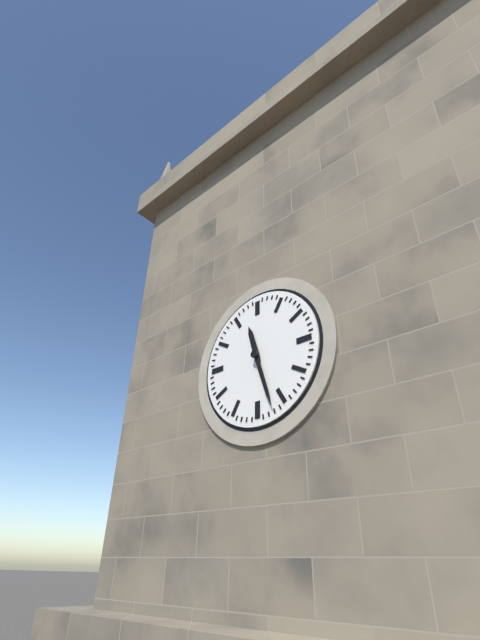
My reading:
{"hour": 11, "minute": 27}
